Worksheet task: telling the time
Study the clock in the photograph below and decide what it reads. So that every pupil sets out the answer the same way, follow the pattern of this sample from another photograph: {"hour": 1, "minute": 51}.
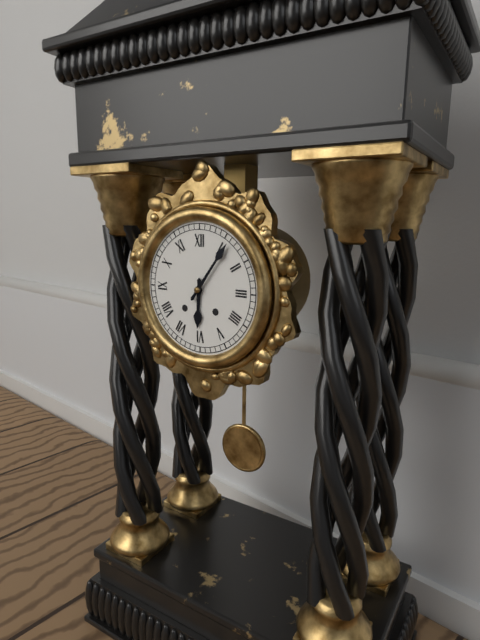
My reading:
{"hour": 6, "minute": 6}
